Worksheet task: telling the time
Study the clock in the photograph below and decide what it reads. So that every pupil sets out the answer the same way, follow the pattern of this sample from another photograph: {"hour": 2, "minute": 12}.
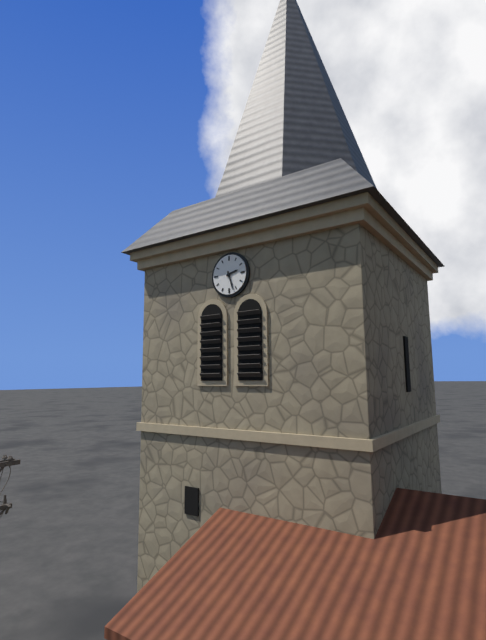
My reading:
{"hour": 2, "minute": 27}
